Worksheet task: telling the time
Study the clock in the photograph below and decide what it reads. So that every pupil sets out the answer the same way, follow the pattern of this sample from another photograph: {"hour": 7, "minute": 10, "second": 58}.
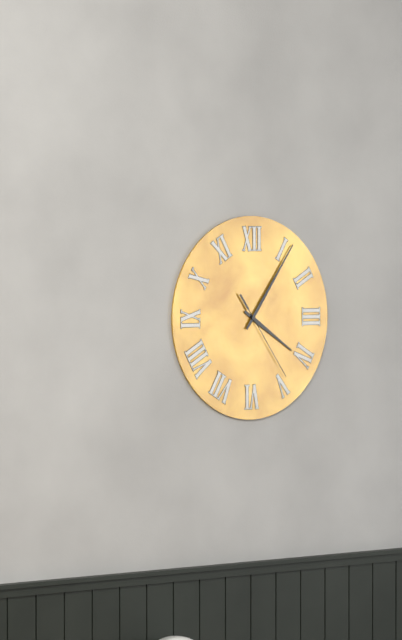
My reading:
{"hour": 4, "minute": 6, "second": 24}
